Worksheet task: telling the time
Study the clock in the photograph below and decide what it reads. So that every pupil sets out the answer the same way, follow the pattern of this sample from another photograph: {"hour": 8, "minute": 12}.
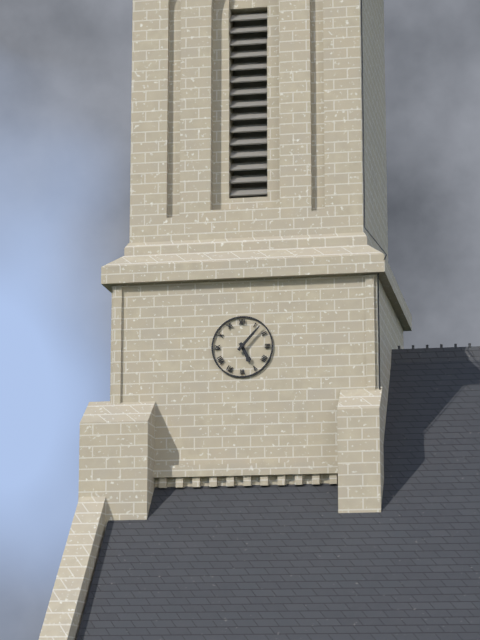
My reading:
{"hour": 5, "minute": 7}
